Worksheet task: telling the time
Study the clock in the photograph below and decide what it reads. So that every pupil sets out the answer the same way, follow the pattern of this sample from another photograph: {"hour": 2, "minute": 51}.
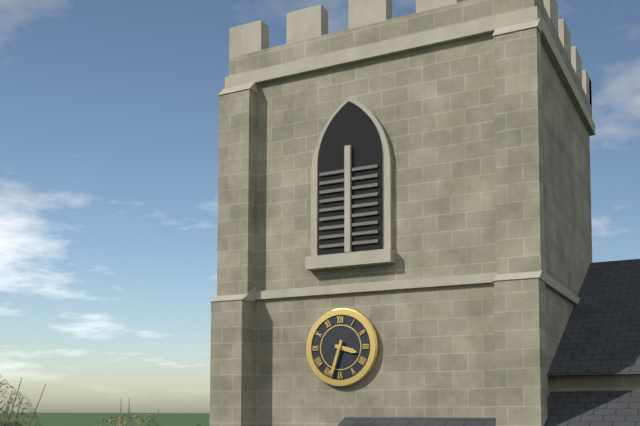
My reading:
{"hour": 3, "minute": 33}
